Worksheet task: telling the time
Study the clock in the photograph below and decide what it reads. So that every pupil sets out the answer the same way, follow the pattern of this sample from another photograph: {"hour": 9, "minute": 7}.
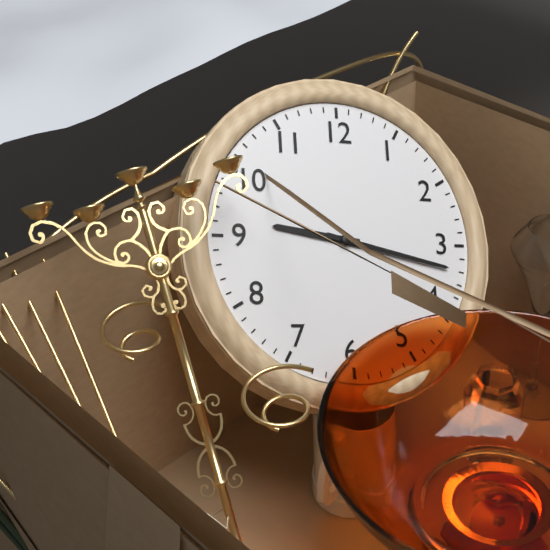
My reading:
{"hour": 9, "minute": 17}
